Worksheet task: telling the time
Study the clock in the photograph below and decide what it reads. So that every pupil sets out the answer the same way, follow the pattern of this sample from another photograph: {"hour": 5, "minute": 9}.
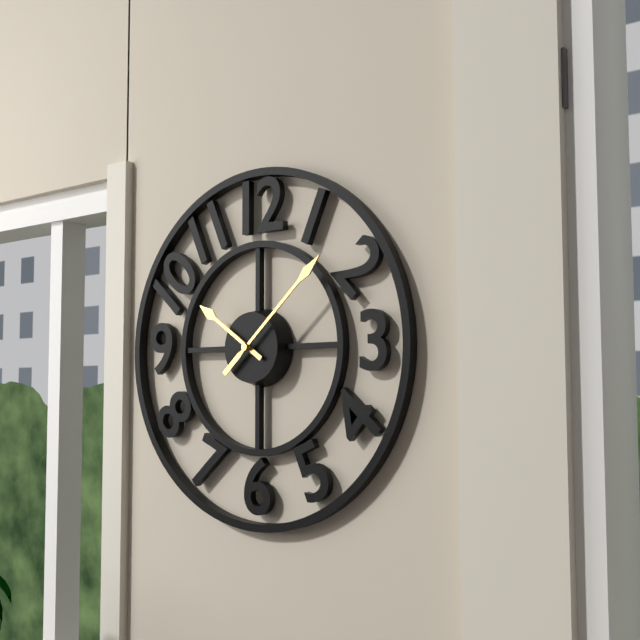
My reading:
{"hour": 10, "minute": 8}
